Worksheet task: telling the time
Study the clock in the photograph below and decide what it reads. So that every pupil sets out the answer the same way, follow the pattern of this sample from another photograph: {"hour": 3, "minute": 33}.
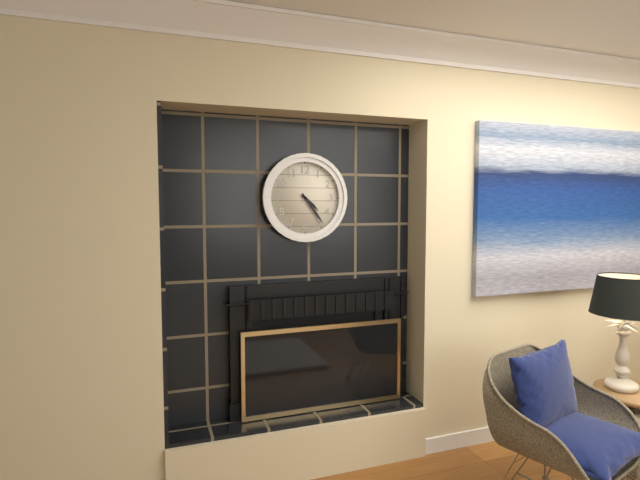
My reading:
{"hour": 4, "minute": 24}
